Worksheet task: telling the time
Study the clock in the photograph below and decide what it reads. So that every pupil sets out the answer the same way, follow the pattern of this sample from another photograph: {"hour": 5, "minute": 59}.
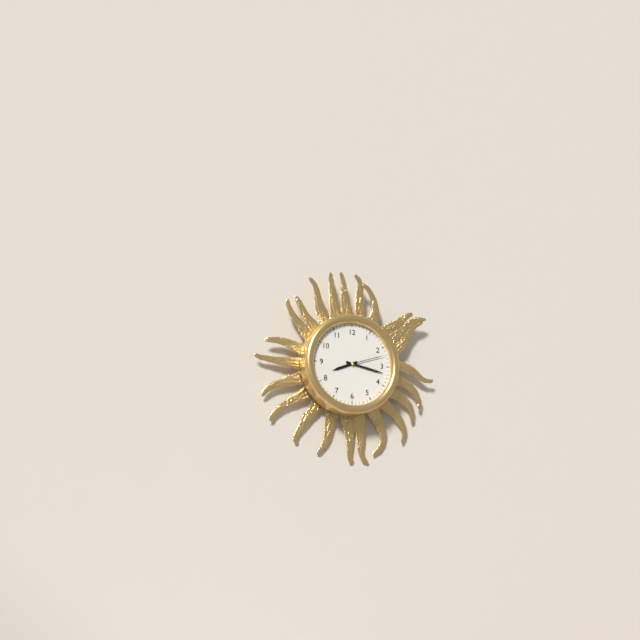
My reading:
{"hour": 8, "minute": 17}
